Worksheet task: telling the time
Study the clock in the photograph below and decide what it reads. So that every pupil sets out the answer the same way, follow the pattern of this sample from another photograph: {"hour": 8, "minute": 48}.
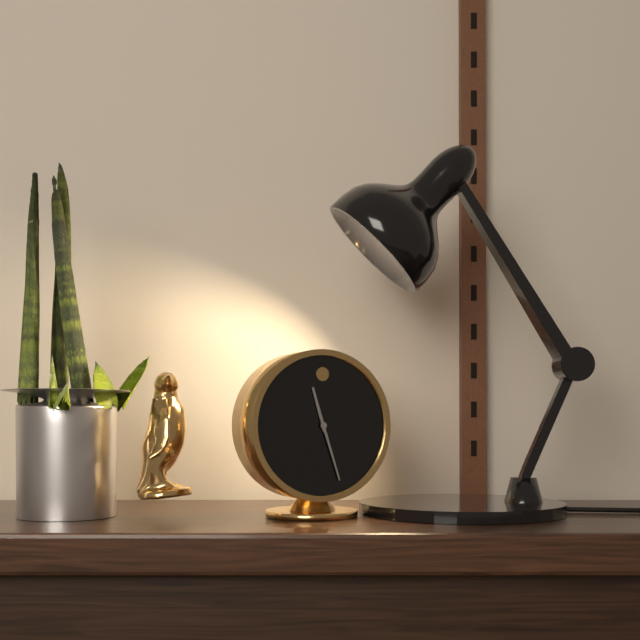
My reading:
{"hour": 11, "minute": 27}
